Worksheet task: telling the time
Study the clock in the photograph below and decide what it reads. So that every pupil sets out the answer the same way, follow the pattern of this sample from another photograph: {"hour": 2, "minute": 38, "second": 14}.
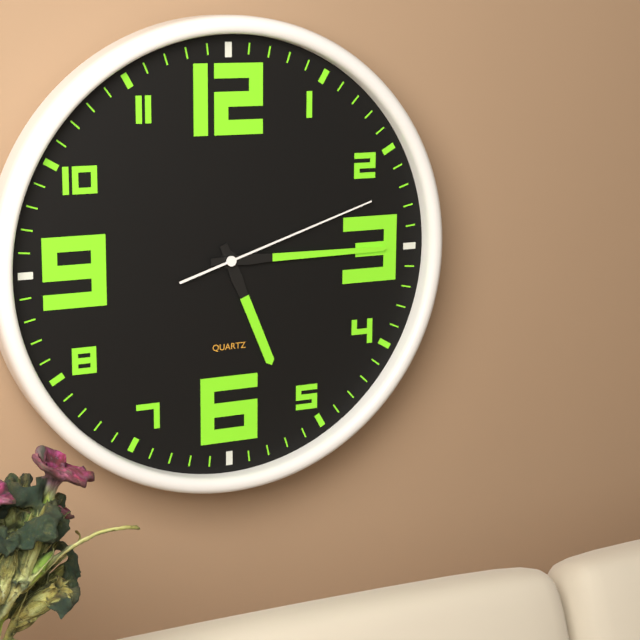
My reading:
{"hour": 5, "minute": 15, "second": 12}
